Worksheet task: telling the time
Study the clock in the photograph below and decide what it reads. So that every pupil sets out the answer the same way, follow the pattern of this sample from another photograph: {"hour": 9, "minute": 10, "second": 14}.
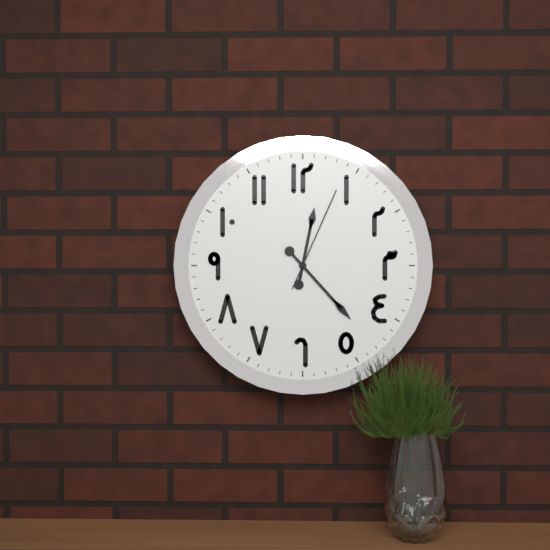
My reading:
{"hour": 12, "minute": 23, "second": 4}
